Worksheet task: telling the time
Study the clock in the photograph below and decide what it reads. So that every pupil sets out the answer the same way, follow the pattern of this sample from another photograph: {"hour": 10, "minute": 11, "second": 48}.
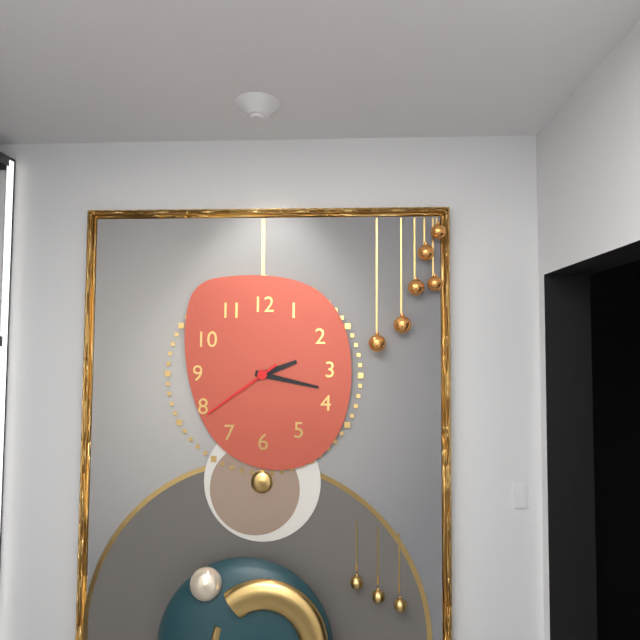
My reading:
{"hour": 2, "minute": 17, "second": 39}
